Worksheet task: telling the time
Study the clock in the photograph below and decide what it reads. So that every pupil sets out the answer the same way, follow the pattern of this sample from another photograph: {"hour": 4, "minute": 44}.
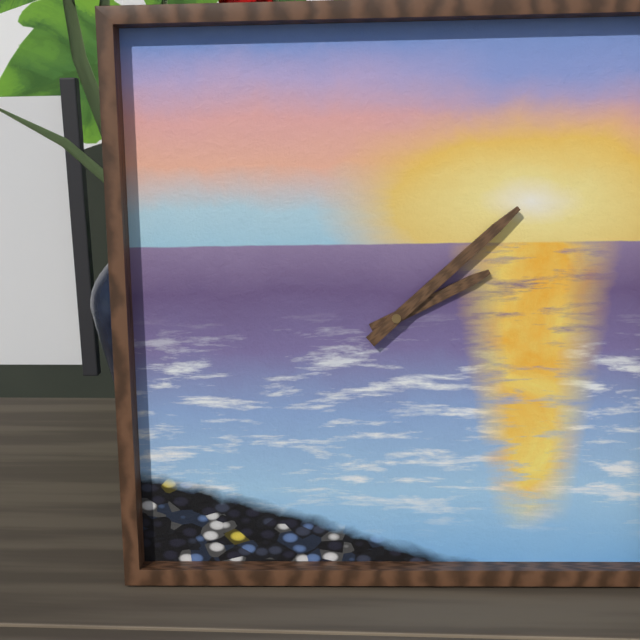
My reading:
{"hour": 2, "minute": 8}
